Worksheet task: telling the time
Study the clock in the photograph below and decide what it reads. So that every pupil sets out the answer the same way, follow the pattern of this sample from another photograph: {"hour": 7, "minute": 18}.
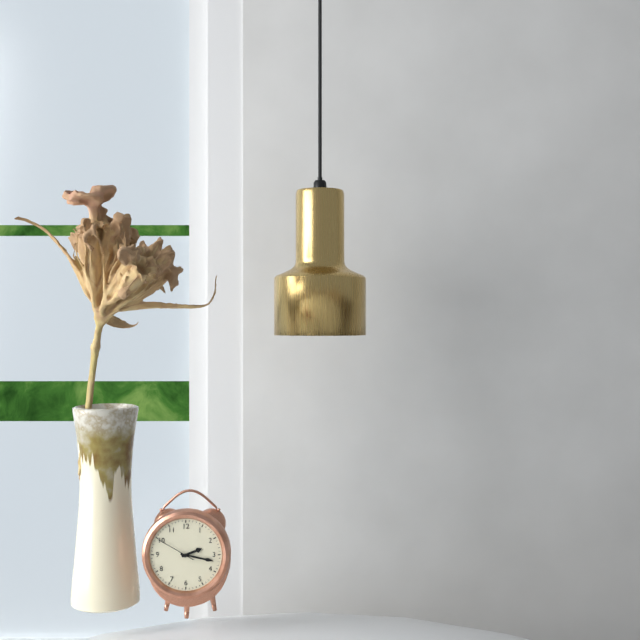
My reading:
{"hour": 2, "minute": 17}
